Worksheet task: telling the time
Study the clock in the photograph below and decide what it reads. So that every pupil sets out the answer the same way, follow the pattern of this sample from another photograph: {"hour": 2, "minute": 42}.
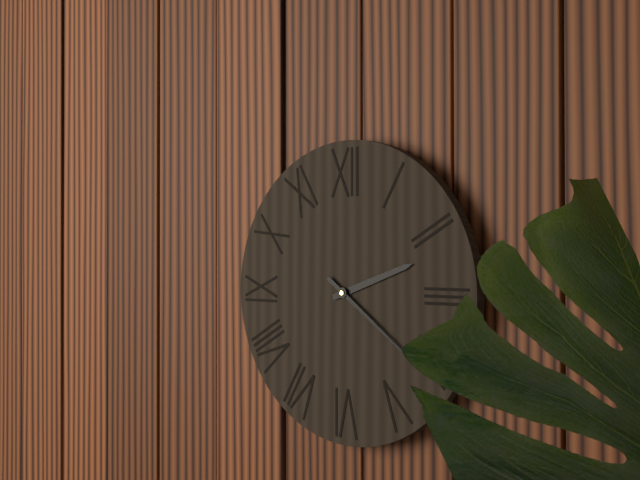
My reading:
{"hour": 2, "minute": 21}
